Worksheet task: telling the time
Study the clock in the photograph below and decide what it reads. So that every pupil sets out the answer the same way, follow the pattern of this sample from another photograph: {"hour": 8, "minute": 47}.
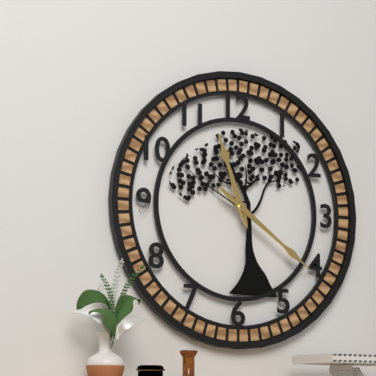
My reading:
{"hour": 11, "minute": 21}
